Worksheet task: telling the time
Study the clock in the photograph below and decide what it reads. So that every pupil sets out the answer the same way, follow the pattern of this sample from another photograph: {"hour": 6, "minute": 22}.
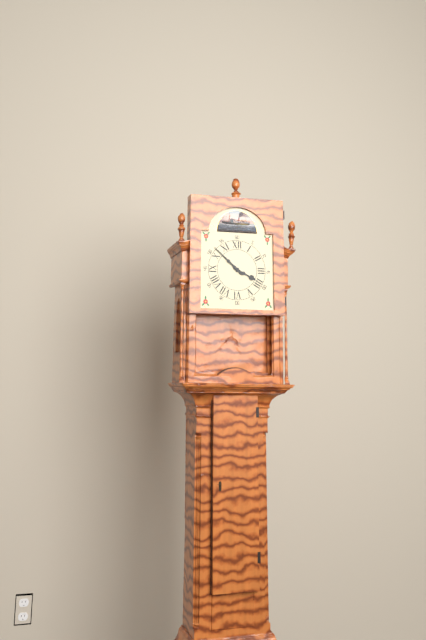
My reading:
{"hour": 3, "minute": 52}
